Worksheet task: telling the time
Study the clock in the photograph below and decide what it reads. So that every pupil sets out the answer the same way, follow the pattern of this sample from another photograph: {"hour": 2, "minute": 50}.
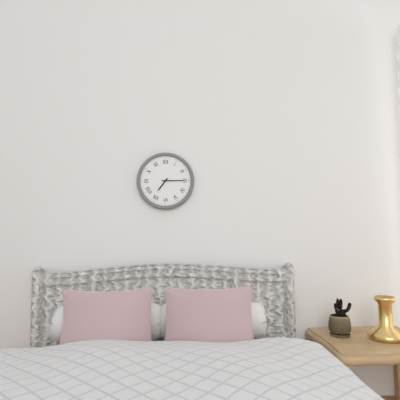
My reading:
{"hour": 7, "minute": 15}
